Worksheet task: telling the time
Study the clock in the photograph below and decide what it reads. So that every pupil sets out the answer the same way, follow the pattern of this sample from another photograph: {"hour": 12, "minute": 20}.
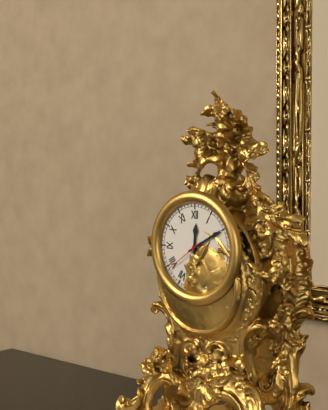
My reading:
{"hour": 12, "minute": 10}
